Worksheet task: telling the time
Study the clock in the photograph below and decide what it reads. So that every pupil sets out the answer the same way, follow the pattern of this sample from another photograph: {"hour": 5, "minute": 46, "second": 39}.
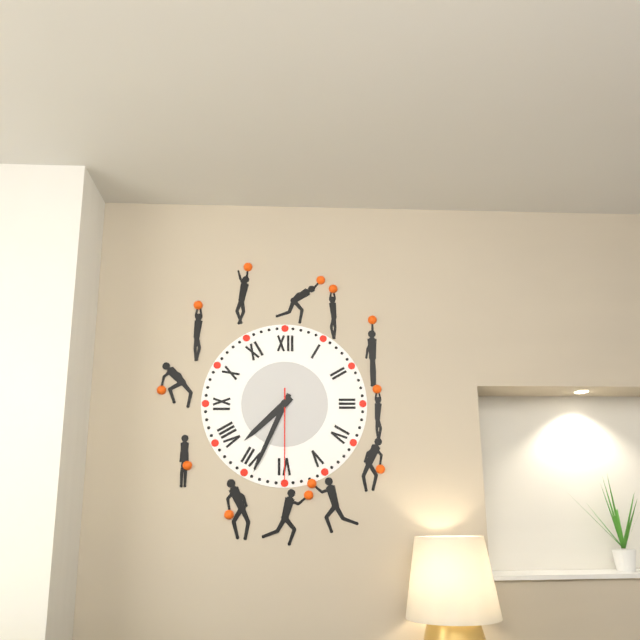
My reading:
{"hour": 7, "minute": 34, "second": 30}
